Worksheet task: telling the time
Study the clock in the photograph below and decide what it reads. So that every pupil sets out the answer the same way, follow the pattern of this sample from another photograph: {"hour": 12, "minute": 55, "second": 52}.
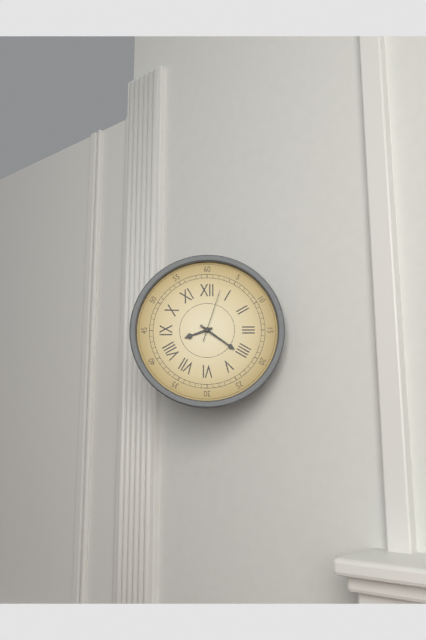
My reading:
{"hour": 8, "minute": 21, "second": 3}
